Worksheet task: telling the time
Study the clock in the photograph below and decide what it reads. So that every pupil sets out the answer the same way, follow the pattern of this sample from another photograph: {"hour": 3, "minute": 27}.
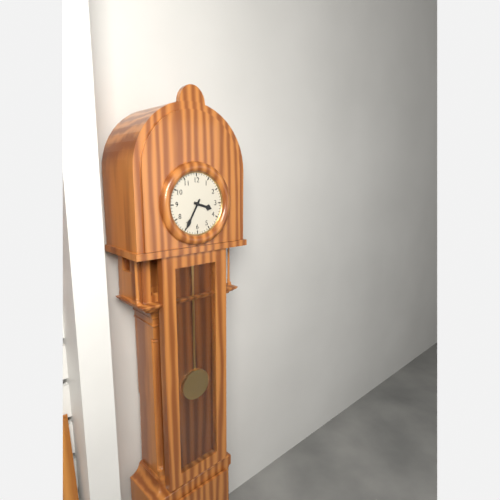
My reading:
{"hour": 3, "minute": 35}
